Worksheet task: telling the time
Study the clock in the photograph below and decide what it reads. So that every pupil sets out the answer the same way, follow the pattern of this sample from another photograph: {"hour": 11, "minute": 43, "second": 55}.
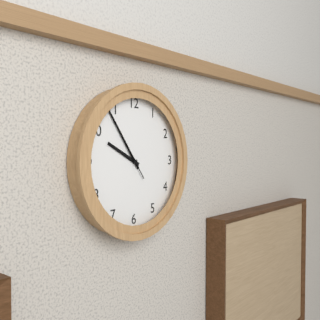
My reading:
{"hour": 9, "minute": 54, "second": 54}
